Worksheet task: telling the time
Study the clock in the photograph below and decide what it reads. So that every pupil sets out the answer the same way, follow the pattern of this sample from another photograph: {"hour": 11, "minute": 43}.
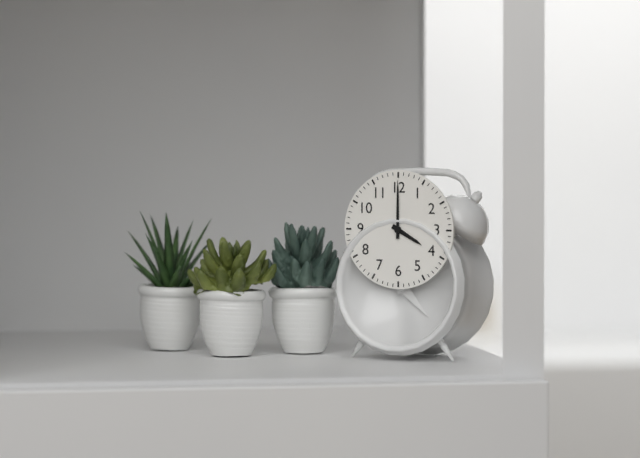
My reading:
{"hour": 4, "minute": 0}
